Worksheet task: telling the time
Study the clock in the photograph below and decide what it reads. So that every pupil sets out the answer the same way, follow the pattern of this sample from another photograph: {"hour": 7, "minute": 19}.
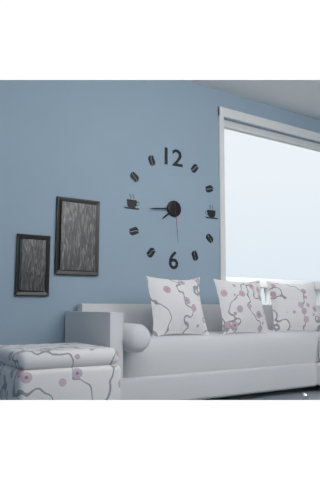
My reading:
{"hour": 7, "minute": 44}
